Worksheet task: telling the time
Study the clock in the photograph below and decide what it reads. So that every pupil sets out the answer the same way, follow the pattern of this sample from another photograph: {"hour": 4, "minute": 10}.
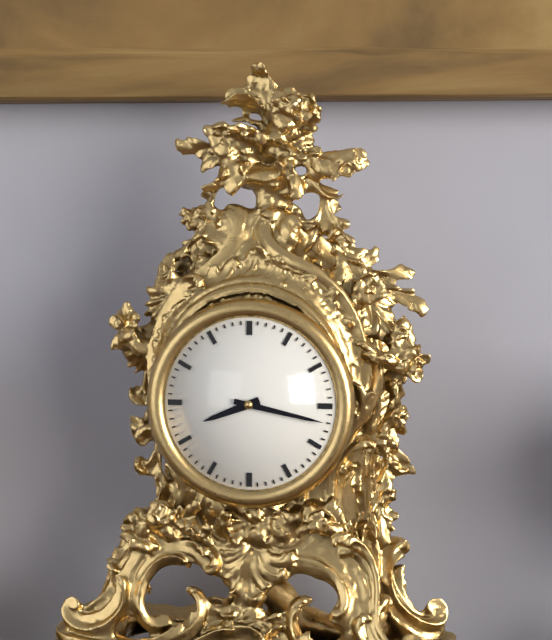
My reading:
{"hour": 8, "minute": 17}
